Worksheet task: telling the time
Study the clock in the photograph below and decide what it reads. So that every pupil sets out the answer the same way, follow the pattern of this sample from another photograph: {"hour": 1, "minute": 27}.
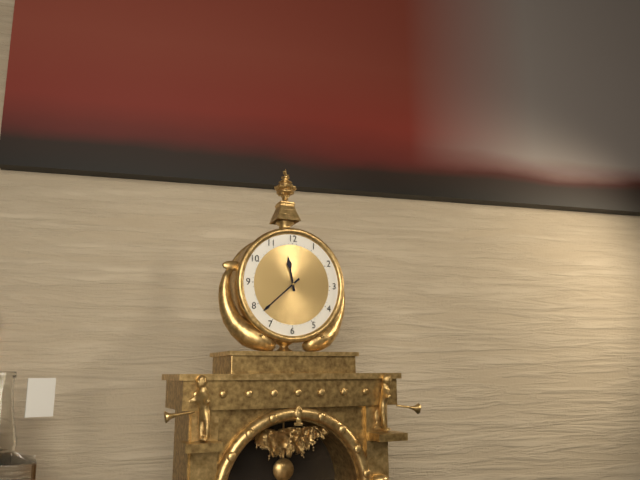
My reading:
{"hour": 11, "minute": 38}
